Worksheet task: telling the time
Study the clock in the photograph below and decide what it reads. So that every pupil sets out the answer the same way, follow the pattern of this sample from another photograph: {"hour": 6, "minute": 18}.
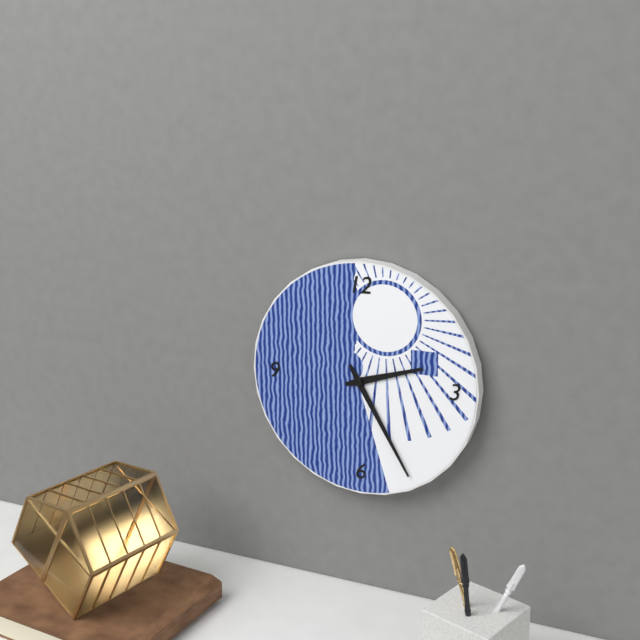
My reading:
{"hour": 2, "minute": 25}
